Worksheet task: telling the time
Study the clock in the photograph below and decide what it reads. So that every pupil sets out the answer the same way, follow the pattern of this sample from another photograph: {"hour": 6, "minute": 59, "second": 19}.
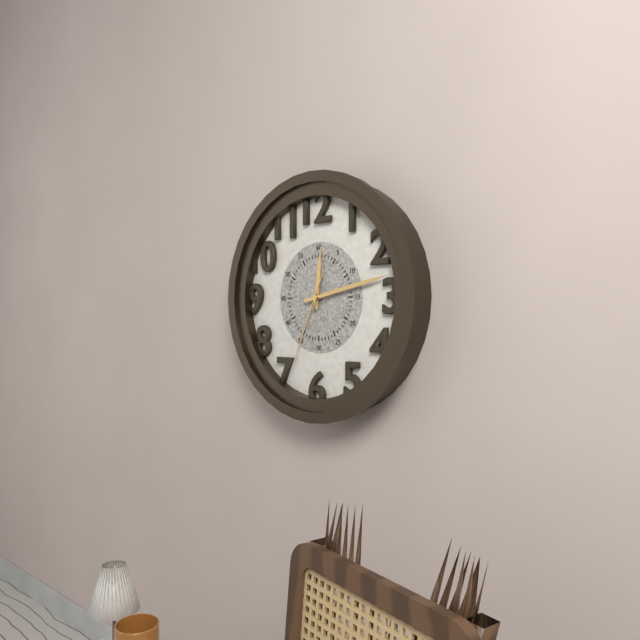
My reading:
{"hour": 12, "minute": 13, "second": 34}
